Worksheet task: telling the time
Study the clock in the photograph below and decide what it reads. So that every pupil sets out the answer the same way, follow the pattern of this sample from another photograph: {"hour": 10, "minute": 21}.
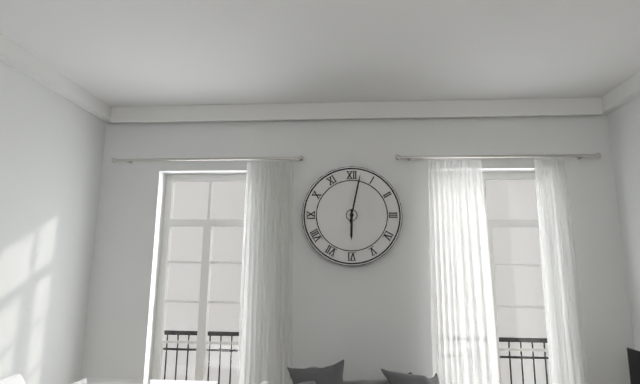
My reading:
{"hour": 6, "minute": 2}
